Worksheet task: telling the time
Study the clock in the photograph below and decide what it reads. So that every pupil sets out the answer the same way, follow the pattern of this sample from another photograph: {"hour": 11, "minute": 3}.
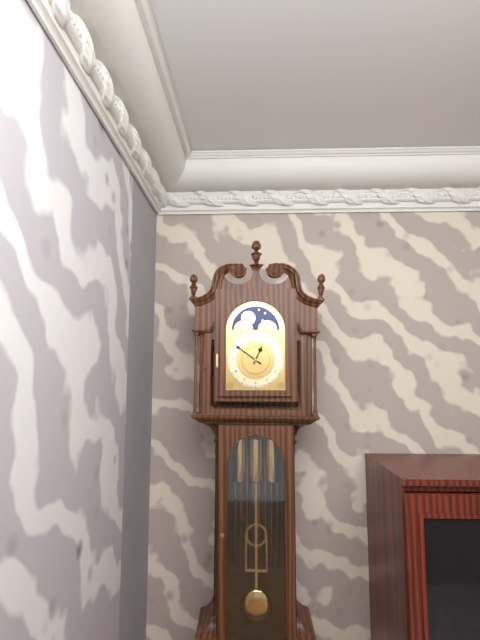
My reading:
{"hour": 12, "minute": 51}
